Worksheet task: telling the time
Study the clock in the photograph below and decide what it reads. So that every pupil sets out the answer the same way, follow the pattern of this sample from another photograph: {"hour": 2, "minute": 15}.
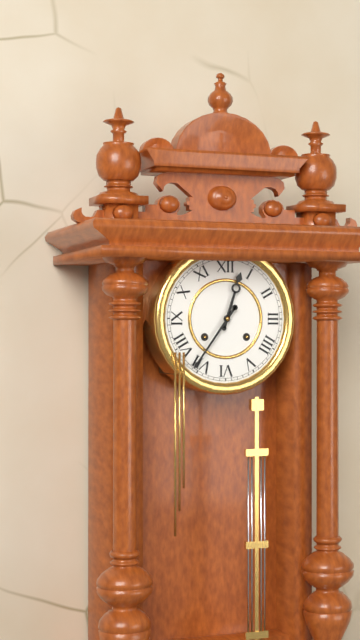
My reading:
{"hour": 12, "minute": 36}
